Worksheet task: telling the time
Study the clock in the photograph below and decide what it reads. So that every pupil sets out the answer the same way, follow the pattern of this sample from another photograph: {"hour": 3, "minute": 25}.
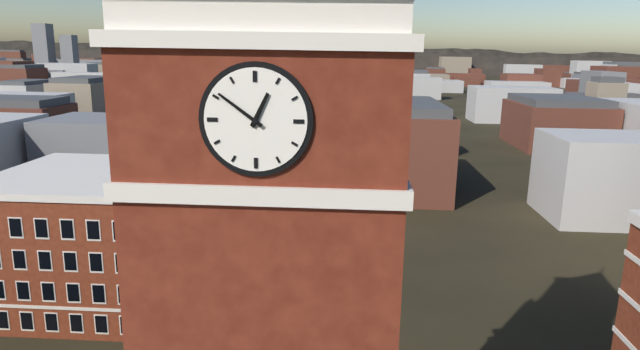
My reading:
{"hour": 12, "minute": 51}
